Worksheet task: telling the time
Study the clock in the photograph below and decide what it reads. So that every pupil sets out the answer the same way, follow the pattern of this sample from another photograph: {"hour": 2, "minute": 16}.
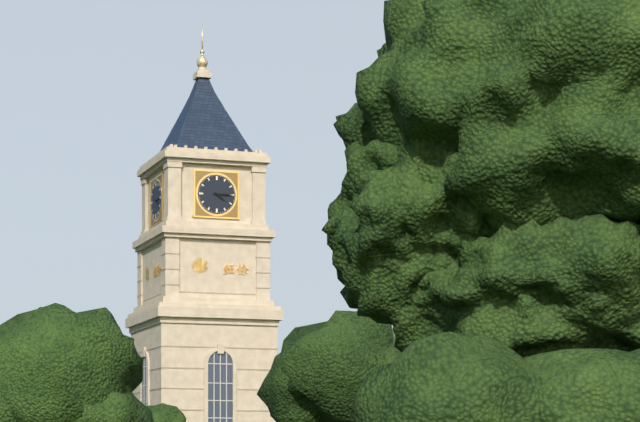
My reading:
{"hour": 4, "minute": 15}
